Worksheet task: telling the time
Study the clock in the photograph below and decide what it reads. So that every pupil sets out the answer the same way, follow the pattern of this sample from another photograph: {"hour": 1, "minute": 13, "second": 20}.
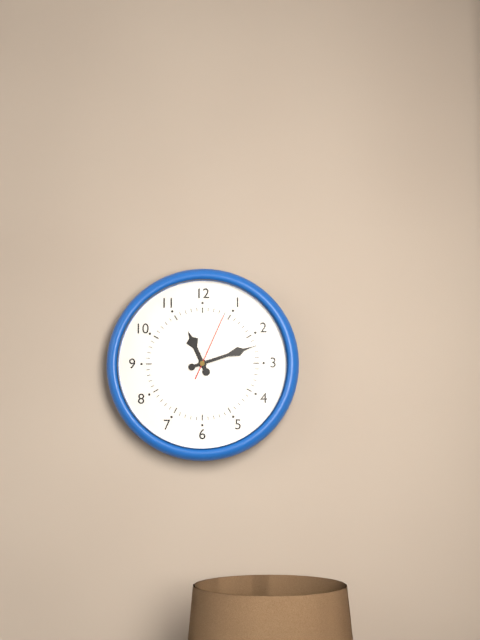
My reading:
{"hour": 11, "minute": 12, "second": 4}
